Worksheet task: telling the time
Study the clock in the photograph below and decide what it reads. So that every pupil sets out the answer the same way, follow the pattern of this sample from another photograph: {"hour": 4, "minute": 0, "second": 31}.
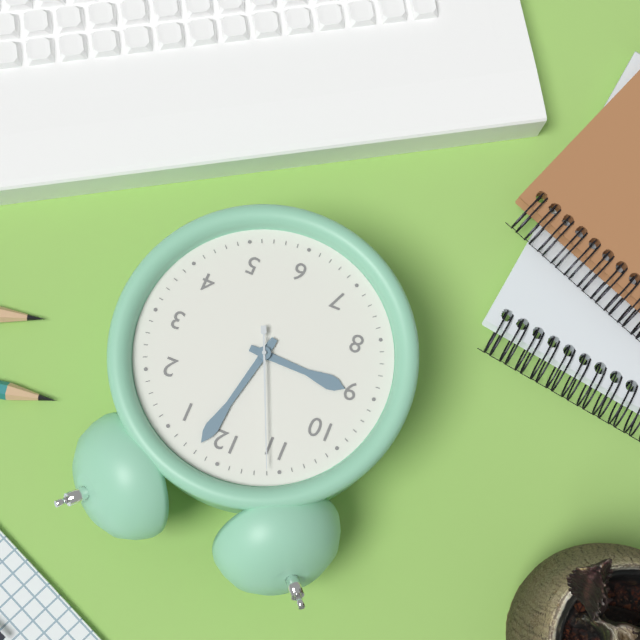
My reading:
{"hour": 9, "minute": 2, "second": 56}
